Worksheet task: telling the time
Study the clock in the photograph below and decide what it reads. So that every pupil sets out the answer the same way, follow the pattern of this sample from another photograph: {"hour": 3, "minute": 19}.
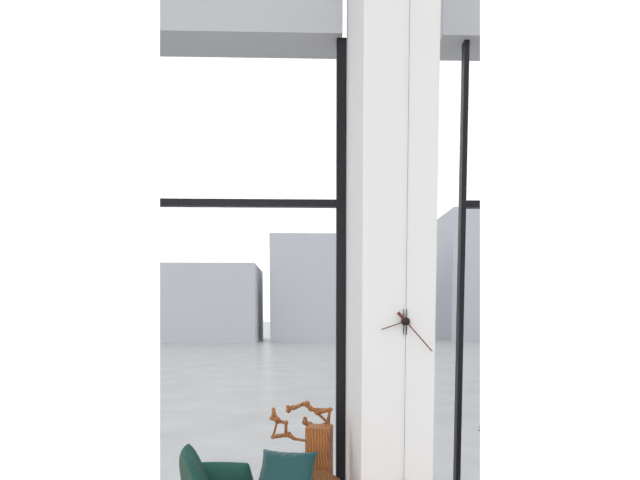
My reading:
{"hour": 8, "minute": 23}
